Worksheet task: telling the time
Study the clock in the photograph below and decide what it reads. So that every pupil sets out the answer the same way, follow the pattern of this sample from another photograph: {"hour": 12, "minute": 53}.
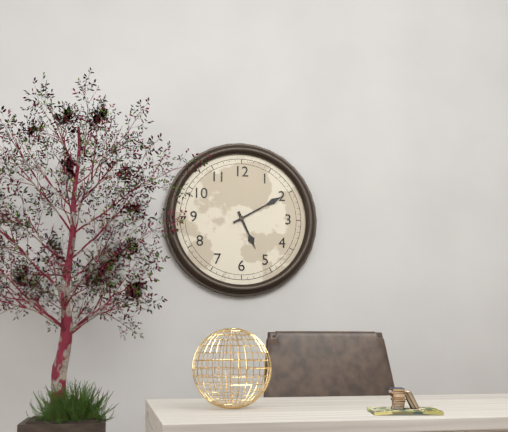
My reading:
{"hour": 5, "minute": 10}
